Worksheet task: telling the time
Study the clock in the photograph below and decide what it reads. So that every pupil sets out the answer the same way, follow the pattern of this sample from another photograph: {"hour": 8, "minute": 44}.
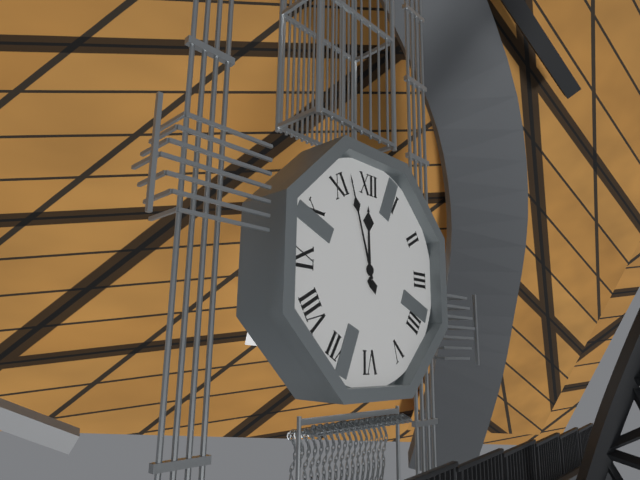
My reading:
{"hour": 11, "minute": 57}
